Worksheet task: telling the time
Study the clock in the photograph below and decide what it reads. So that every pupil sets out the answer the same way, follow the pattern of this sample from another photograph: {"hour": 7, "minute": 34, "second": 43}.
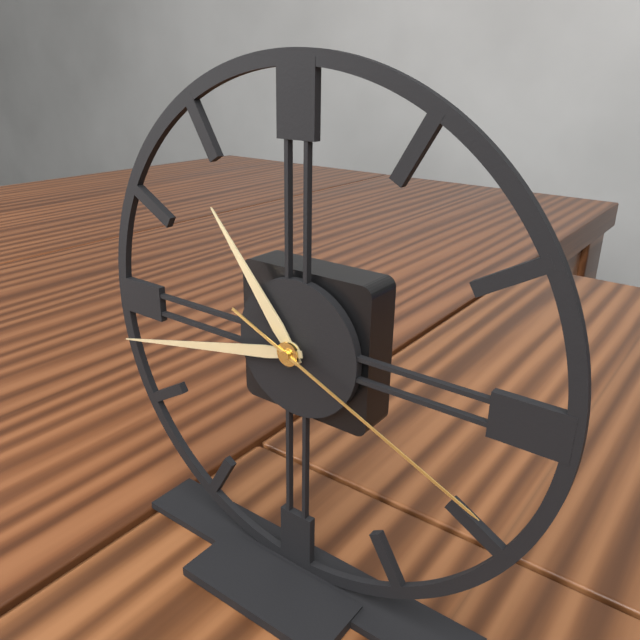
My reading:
{"hour": 10, "minute": 43, "second": 19}
